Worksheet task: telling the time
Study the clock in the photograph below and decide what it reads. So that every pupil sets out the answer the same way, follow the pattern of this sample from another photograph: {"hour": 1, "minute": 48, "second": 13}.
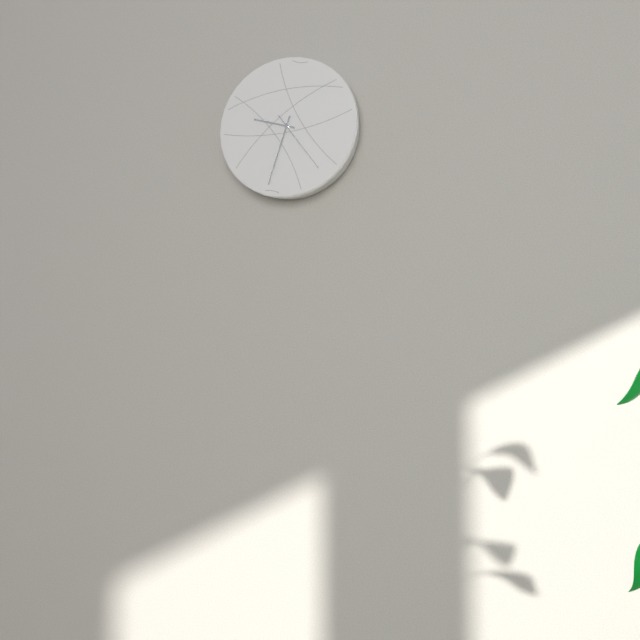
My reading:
{"hour": 9, "minute": 33, "second": 24}
